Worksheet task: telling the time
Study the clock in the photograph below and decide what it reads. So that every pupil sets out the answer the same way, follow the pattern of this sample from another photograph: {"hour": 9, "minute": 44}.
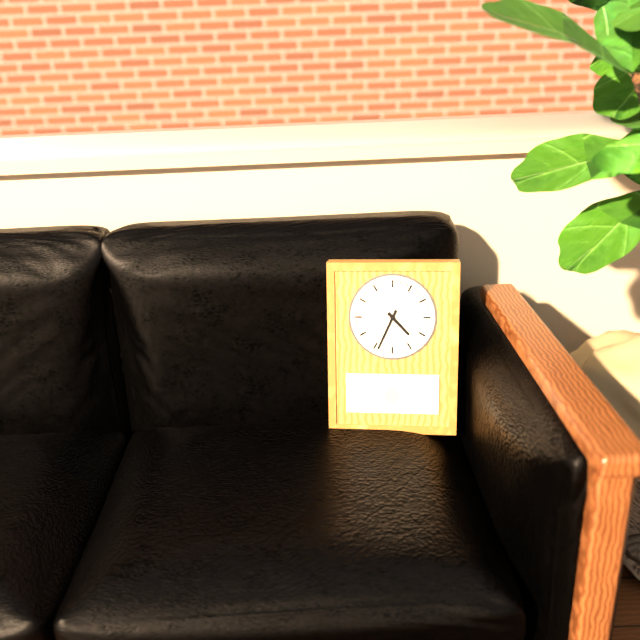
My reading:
{"hour": 4, "minute": 34}
